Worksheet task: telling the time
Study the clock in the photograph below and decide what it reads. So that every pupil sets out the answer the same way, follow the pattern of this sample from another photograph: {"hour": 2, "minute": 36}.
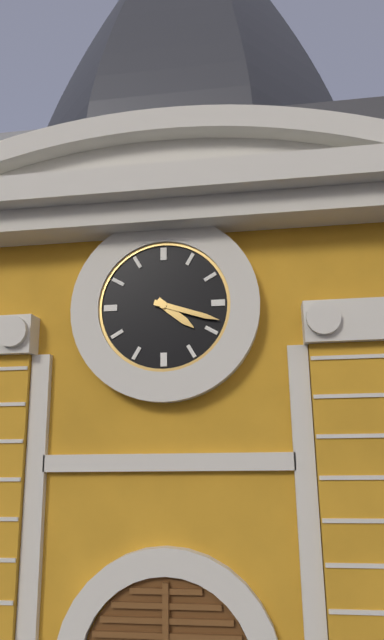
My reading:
{"hour": 4, "minute": 18}
